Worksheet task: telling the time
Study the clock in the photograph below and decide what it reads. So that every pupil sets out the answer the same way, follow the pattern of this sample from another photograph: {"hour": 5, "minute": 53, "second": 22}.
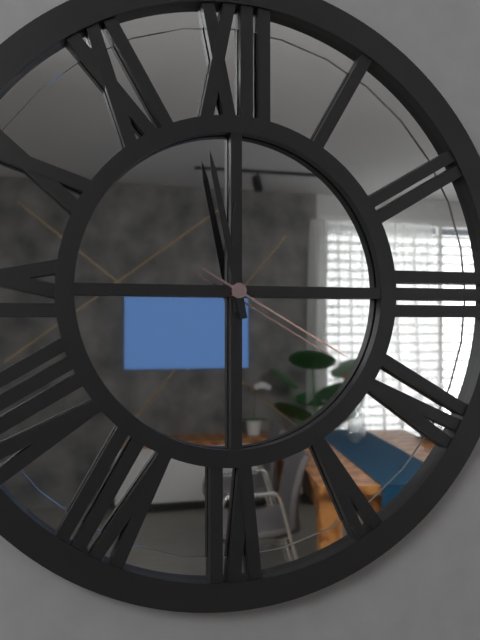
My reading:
{"hour": 11, "minute": 58, "second": 20}
